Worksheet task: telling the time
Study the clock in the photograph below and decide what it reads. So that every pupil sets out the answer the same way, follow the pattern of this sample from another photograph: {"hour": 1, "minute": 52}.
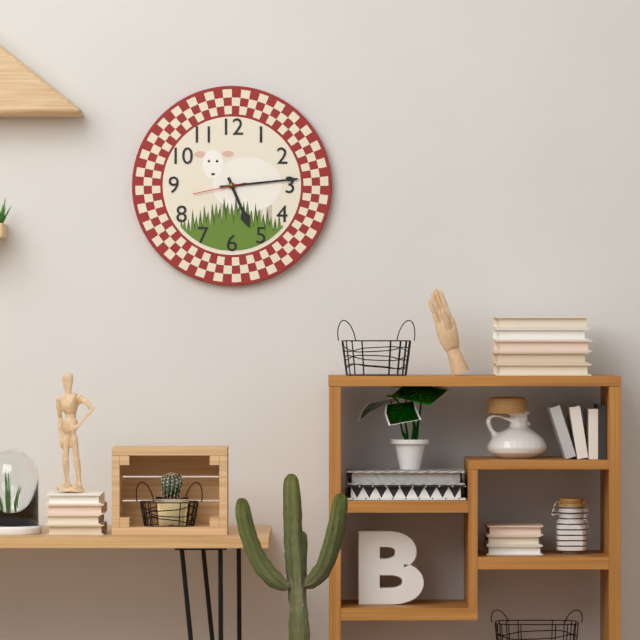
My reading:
{"hour": 5, "minute": 14}
